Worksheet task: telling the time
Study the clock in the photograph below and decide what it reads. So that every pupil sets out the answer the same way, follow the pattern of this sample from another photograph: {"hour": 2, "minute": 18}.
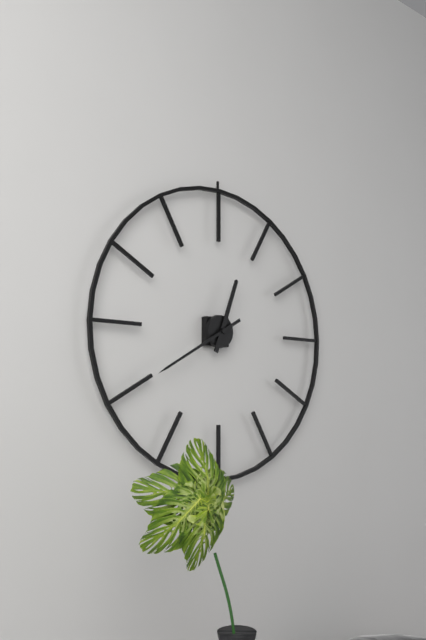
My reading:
{"hour": 12, "minute": 40}
